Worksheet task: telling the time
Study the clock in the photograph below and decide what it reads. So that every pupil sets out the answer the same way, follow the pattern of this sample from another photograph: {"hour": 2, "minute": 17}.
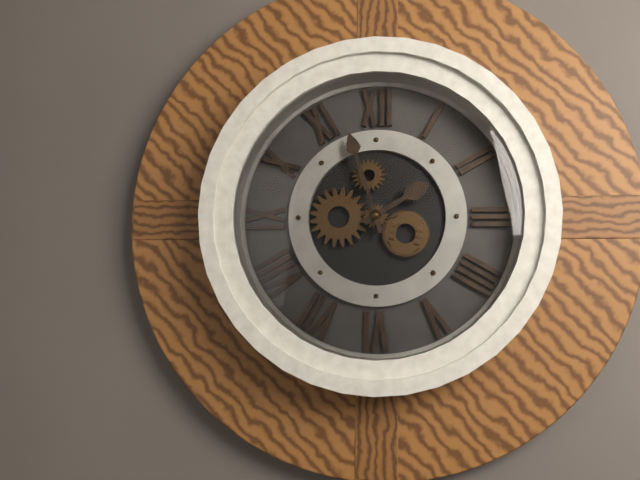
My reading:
{"hour": 1, "minute": 57}
